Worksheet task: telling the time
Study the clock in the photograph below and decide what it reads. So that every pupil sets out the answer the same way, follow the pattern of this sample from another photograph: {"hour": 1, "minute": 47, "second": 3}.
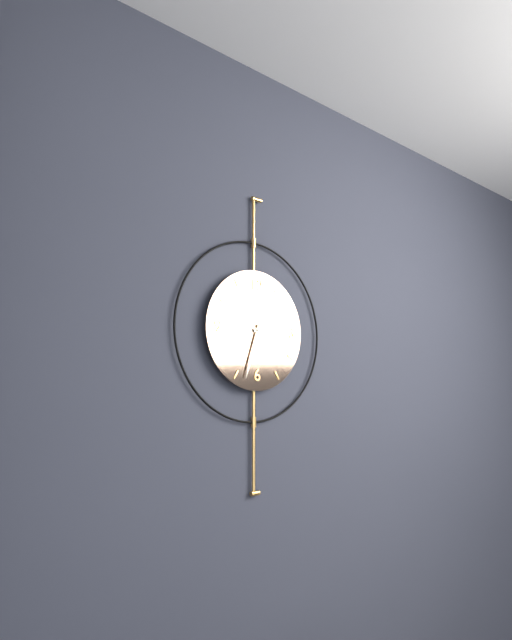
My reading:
{"hour": 2, "minute": 33, "second": 48}
